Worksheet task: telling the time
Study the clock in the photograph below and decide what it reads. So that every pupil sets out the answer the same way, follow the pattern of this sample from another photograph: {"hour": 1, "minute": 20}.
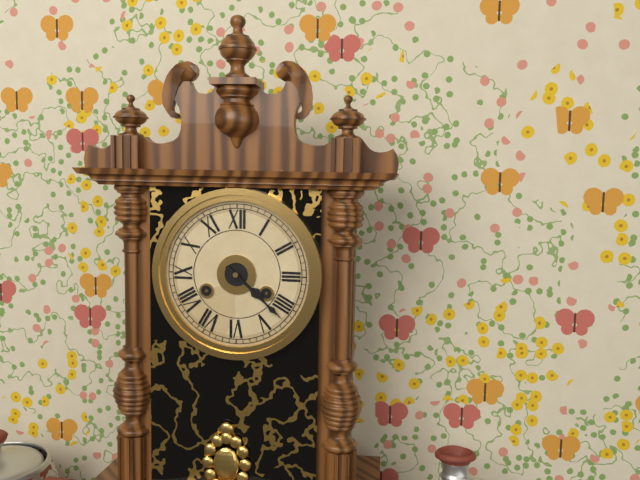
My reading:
{"hour": 4, "minute": 22}
